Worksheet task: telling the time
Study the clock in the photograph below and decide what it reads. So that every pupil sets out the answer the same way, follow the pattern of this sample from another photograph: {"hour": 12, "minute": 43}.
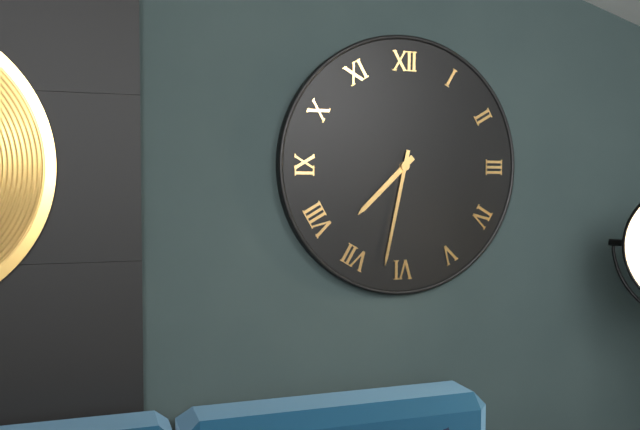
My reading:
{"hour": 7, "minute": 32}
